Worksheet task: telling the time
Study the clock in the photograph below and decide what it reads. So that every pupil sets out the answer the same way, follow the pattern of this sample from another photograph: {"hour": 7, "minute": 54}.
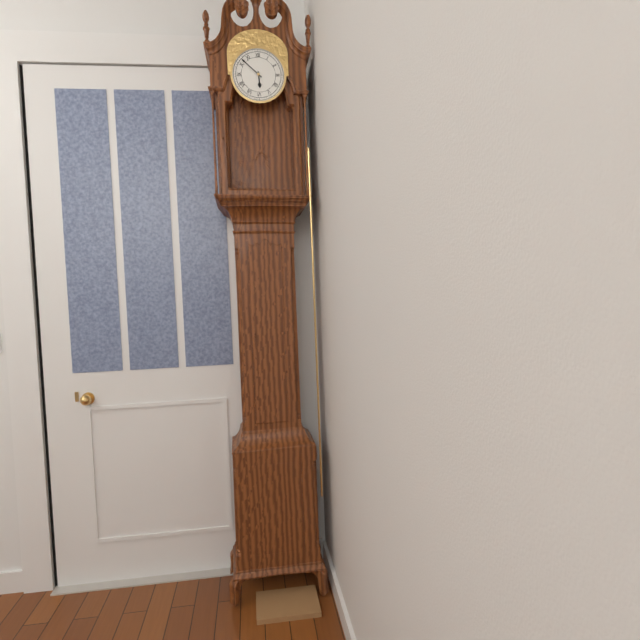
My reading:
{"hour": 5, "minute": 52}
